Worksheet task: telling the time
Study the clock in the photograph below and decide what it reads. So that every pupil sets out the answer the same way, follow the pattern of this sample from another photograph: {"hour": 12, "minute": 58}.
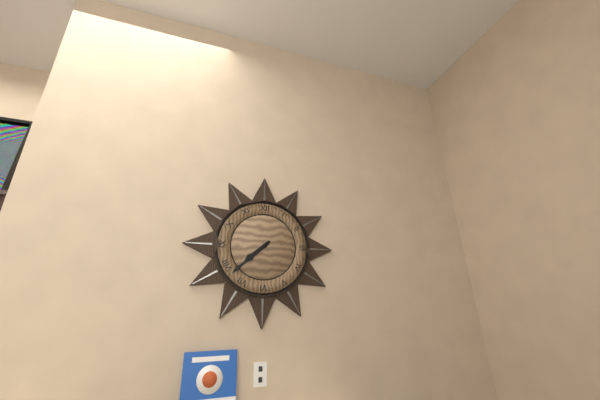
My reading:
{"hour": 7, "minute": 38}
